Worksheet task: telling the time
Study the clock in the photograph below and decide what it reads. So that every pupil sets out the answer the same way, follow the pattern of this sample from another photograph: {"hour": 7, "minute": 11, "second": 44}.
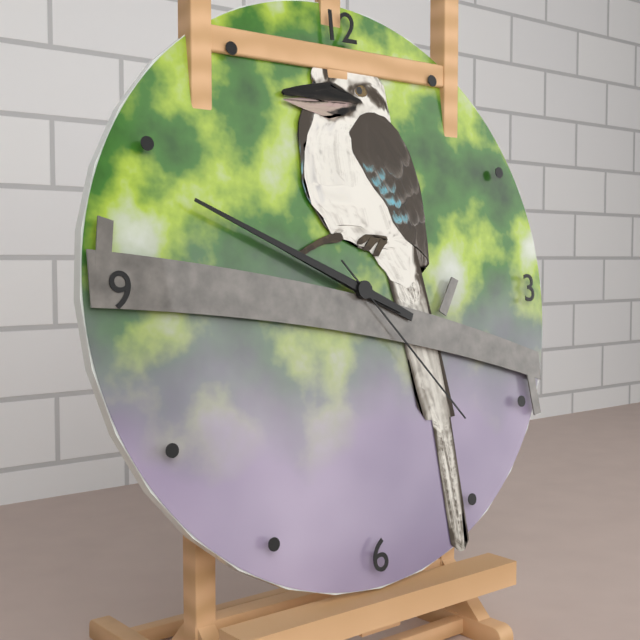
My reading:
{"hour": 9, "minute": 49, "second": 23}
